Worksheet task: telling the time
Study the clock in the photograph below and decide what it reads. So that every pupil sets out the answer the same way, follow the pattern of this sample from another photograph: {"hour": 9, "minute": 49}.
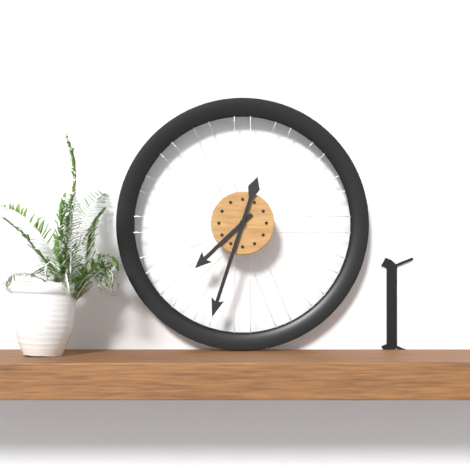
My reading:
{"hour": 7, "minute": 33}
